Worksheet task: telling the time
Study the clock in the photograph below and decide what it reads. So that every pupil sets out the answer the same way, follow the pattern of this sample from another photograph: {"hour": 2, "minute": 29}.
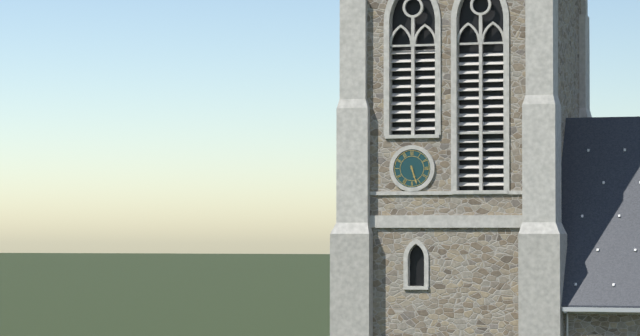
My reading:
{"hour": 5, "minute": 27}
